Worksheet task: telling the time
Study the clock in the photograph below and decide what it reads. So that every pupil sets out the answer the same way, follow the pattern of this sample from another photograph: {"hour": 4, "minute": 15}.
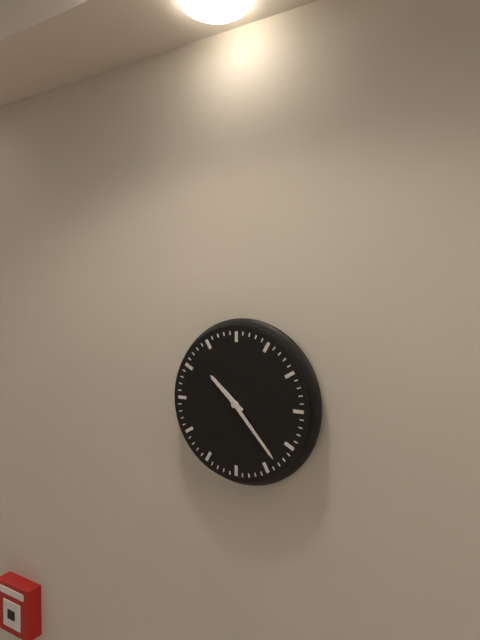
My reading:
{"hour": 10, "minute": 23}
